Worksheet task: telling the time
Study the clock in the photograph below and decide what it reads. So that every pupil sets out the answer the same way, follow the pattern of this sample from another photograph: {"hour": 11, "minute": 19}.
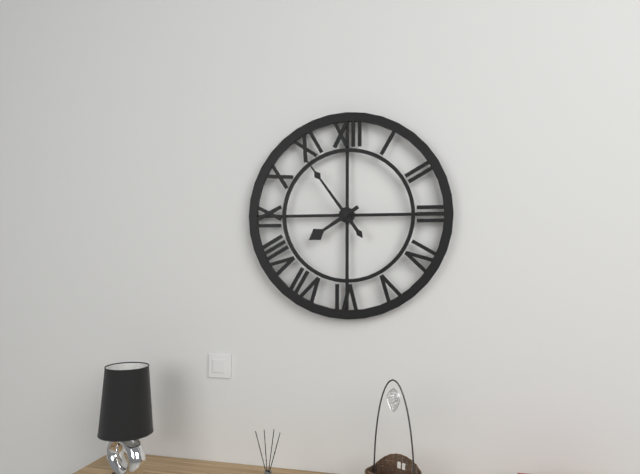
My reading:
{"hour": 7, "minute": 54}
